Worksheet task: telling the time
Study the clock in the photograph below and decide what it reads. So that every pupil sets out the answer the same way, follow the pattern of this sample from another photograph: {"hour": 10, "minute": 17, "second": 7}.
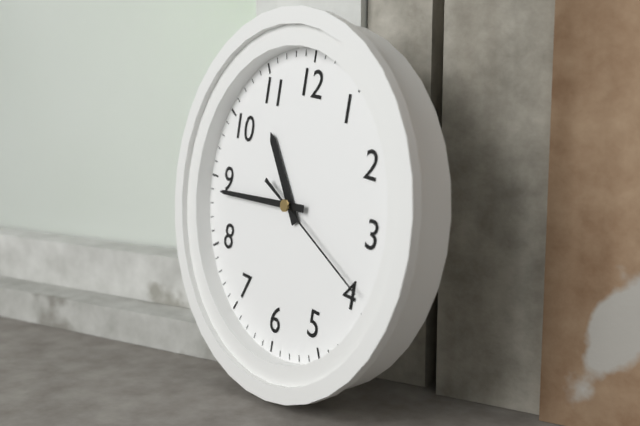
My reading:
{"hour": 10, "minute": 44, "second": 19}
